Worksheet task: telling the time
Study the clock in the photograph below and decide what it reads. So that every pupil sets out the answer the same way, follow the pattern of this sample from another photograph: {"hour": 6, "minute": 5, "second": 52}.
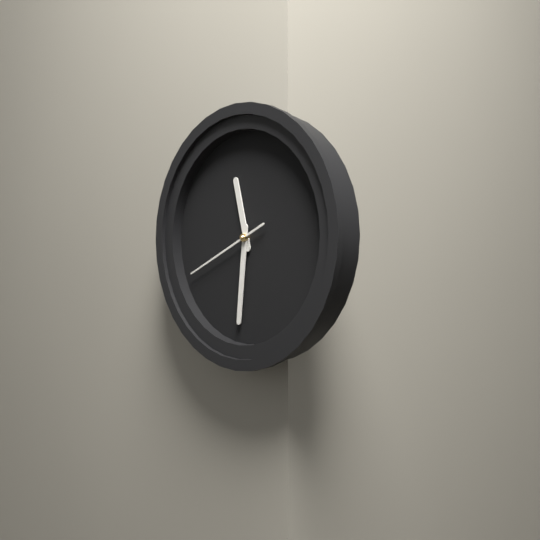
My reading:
{"hour": 11, "minute": 31, "second": 41}
